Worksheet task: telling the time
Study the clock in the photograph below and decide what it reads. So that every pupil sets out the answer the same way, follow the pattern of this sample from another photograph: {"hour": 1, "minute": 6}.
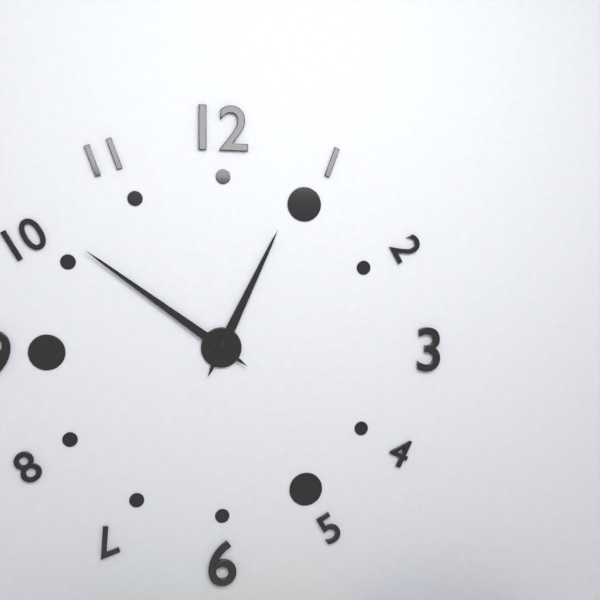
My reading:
{"hour": 12, "minute": 51}
